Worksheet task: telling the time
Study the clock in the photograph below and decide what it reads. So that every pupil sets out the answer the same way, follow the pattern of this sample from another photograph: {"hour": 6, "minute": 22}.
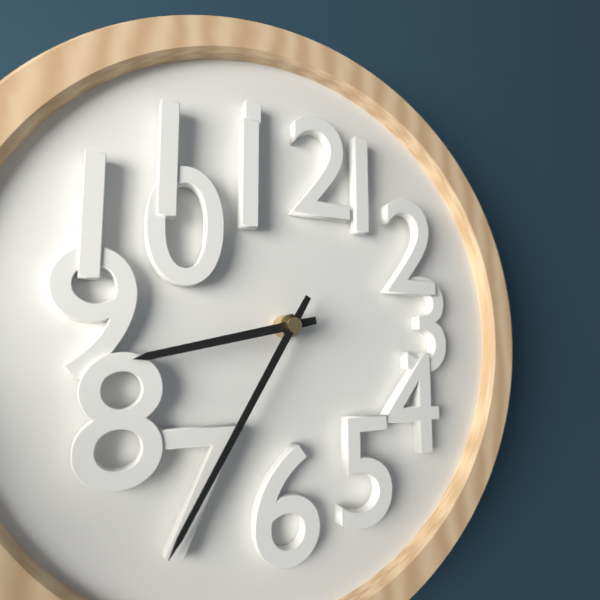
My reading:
{"hour": 8, "minute": 35}
